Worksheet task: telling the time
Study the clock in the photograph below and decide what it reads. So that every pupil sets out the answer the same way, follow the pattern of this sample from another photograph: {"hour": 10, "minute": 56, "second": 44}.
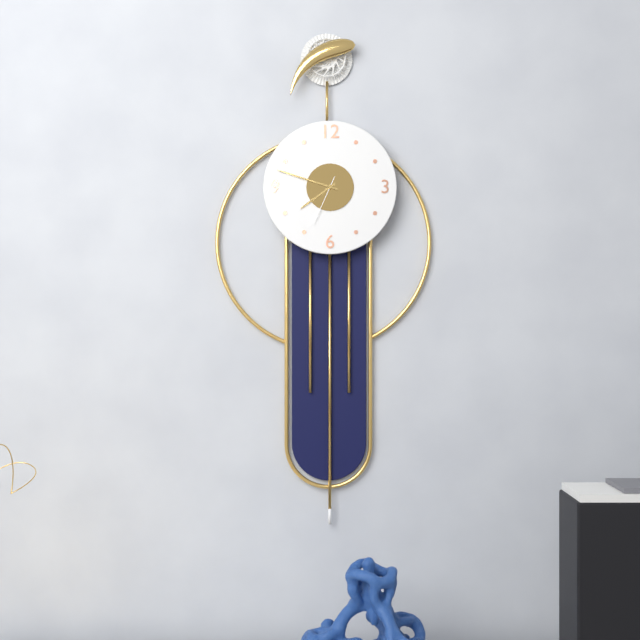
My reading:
{"hour": 7, "minute": 48, "second": 34}
